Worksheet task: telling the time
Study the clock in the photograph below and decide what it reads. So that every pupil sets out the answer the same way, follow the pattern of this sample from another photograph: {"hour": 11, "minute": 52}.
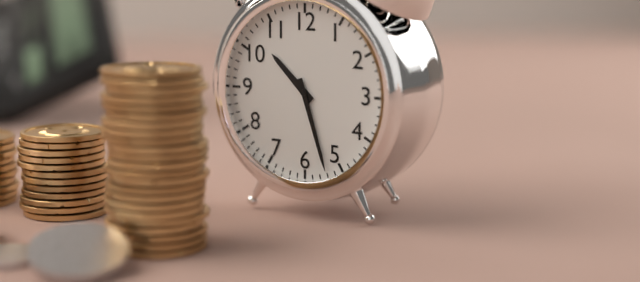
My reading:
{"hour": 10, "minute": 27}
